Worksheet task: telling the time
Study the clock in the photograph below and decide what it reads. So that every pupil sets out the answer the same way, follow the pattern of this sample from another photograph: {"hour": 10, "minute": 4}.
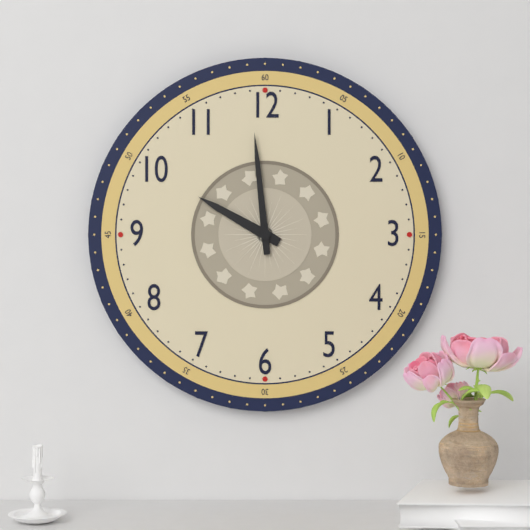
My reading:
{"hour": 9, "minute": 59}
